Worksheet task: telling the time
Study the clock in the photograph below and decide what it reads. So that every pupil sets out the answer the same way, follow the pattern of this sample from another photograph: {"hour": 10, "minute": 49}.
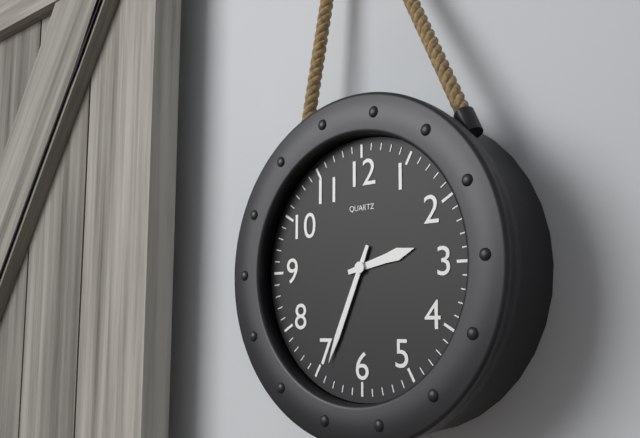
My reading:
{"hour": 2, "minute": 34}
